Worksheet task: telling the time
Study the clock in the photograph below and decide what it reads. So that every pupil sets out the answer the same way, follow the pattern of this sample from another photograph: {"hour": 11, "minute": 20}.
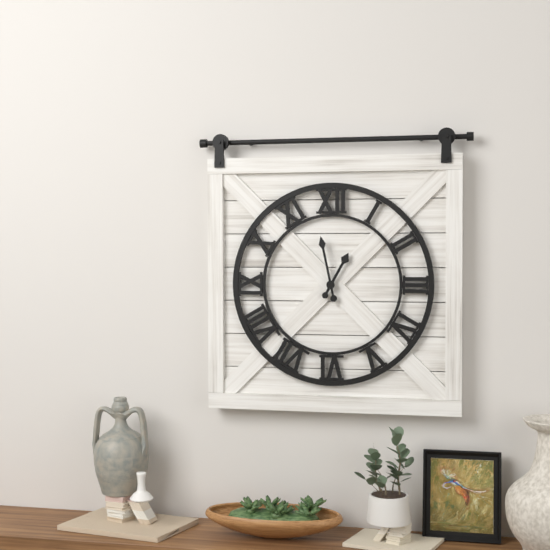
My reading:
{"hour": 12, "minute": 58}
